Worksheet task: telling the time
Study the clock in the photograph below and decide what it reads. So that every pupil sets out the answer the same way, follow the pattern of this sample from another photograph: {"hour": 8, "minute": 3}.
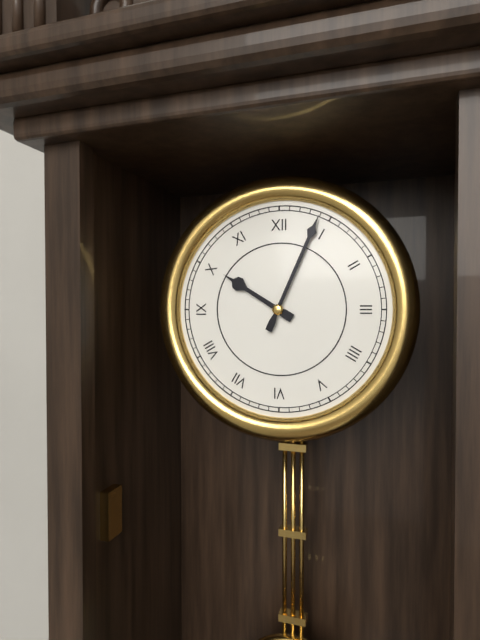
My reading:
{"hour": 10, "minute": 4}
